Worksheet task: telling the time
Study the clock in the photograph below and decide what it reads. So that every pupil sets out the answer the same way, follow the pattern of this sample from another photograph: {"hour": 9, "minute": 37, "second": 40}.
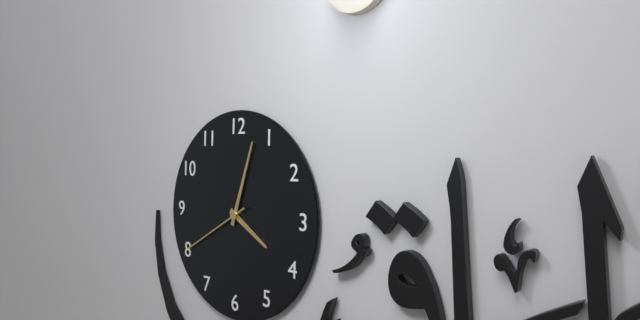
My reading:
{"hour": 4, "minute": 3, "second": 40}
